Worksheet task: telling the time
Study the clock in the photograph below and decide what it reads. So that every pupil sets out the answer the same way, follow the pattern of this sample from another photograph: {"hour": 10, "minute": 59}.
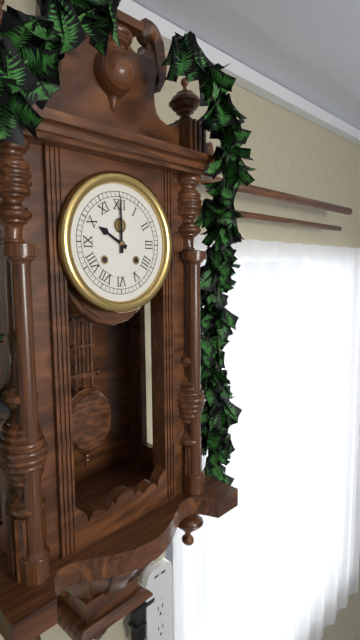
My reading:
{"hour": 10, "minute": 0}
